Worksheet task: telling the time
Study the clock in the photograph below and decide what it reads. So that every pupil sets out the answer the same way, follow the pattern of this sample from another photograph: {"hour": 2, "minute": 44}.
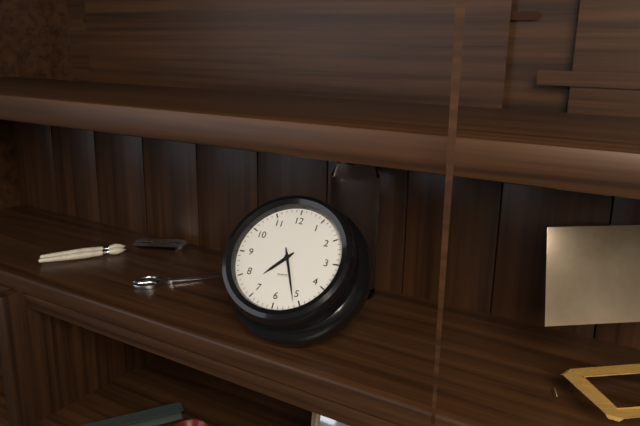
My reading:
{"hour": 7, "minute": 26}
